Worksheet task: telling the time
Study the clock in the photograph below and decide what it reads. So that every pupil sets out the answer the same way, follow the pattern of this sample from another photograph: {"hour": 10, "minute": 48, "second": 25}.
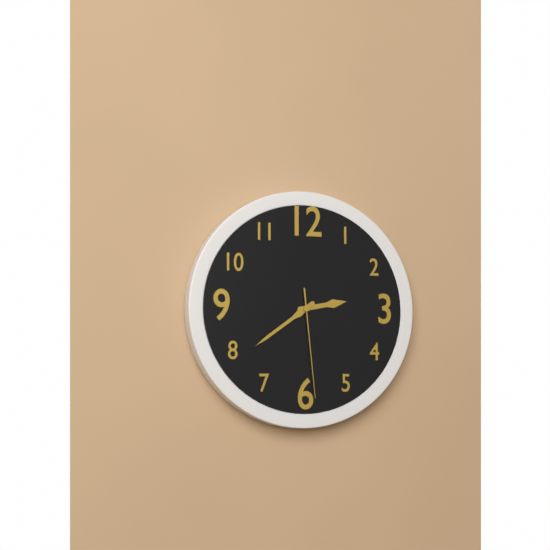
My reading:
{"hour": 2, "minute": 39, "second": 29}
